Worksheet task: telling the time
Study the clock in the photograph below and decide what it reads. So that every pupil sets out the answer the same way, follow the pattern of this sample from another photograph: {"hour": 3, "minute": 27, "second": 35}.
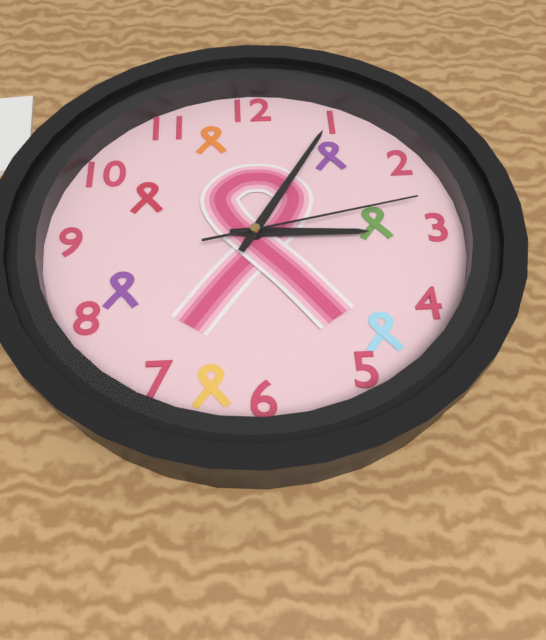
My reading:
{"hour": 3, "minute": 5, "second": 13}
